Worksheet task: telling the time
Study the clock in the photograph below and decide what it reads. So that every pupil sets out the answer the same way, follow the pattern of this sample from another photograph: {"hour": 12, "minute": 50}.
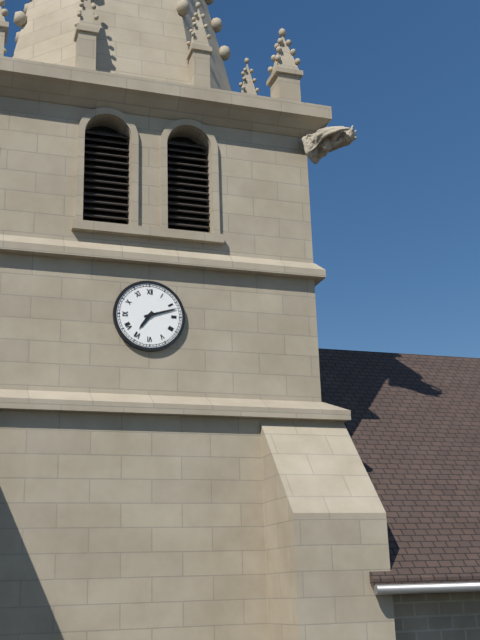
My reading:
{"hour": 7, "minute": 12}
